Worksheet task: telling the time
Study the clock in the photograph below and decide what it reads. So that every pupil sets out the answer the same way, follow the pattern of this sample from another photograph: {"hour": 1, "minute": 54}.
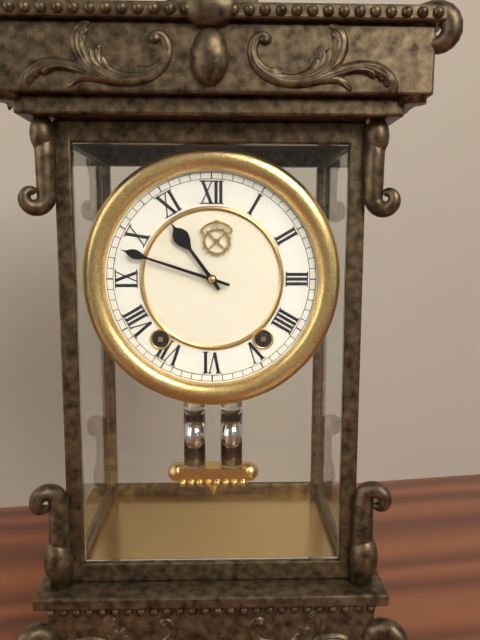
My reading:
{"hour": 10, "minute": 48}
